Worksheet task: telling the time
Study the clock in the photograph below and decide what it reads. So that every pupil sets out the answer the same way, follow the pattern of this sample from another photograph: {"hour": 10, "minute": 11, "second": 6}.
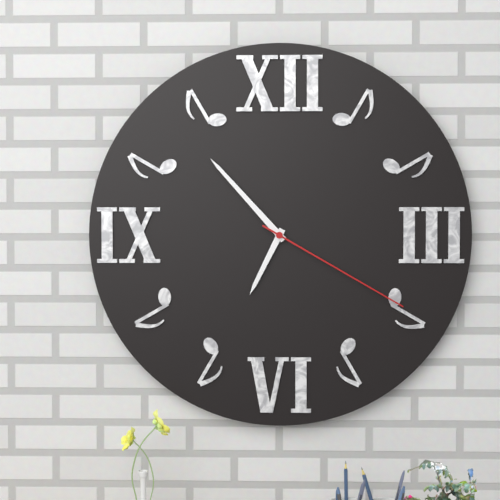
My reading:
{"hour": 6, "minute": 53, "second": 20}
